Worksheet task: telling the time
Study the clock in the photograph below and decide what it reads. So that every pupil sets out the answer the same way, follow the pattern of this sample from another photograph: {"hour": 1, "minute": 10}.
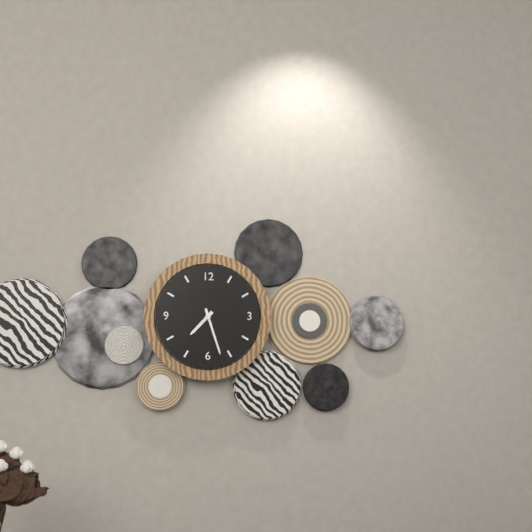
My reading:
{"hour": 7, "minute": 27}
